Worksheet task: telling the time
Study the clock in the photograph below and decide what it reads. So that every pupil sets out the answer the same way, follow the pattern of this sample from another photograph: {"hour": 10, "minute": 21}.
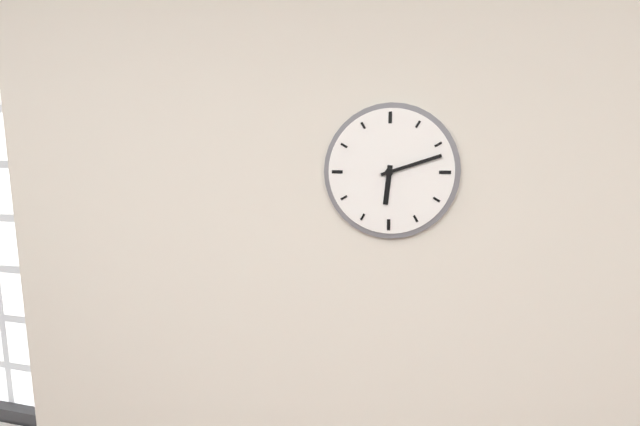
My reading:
{"hour": 6, "minute": 12}
